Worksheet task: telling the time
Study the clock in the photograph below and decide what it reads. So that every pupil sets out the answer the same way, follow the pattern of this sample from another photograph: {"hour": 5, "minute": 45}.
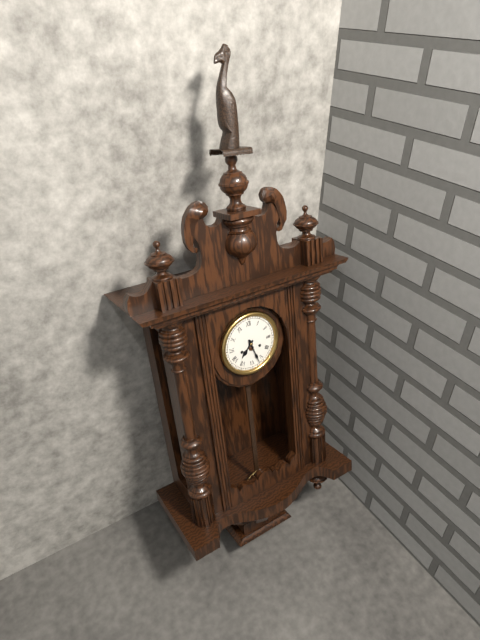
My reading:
{"hour": 7, "minute": 27}
